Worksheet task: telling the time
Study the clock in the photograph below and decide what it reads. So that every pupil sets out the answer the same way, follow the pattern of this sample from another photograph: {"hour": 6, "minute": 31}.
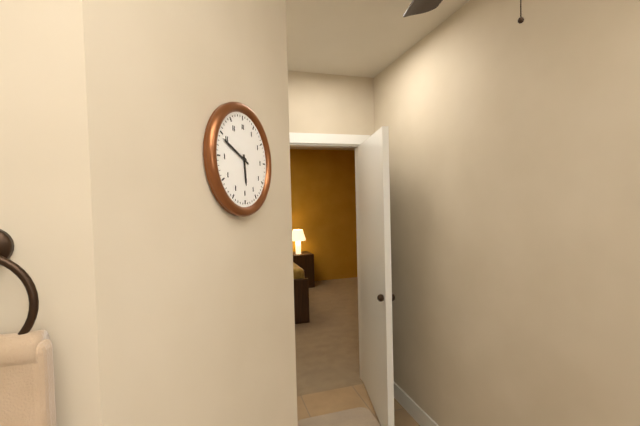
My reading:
{"hour": 5, "minute": 49}
